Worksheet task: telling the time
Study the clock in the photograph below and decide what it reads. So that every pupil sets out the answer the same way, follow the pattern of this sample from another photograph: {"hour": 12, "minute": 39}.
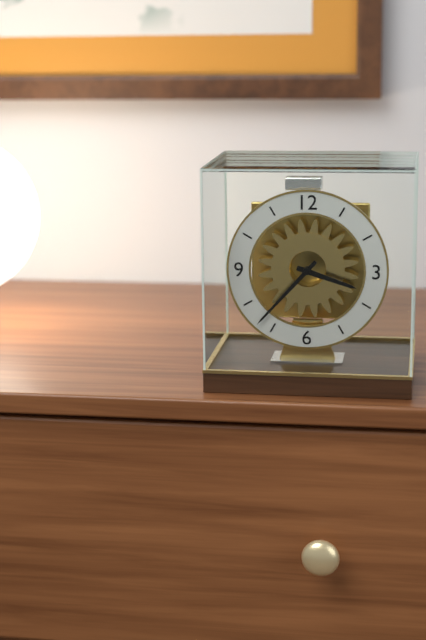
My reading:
{"hour": 3, "minute": 37}
